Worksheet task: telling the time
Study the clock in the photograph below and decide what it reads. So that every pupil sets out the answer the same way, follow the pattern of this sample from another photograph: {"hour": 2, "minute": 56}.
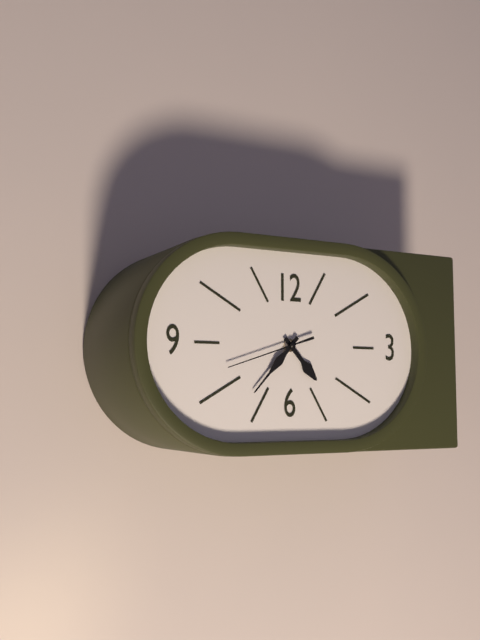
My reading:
{"hour": 4, "minute": 37}
